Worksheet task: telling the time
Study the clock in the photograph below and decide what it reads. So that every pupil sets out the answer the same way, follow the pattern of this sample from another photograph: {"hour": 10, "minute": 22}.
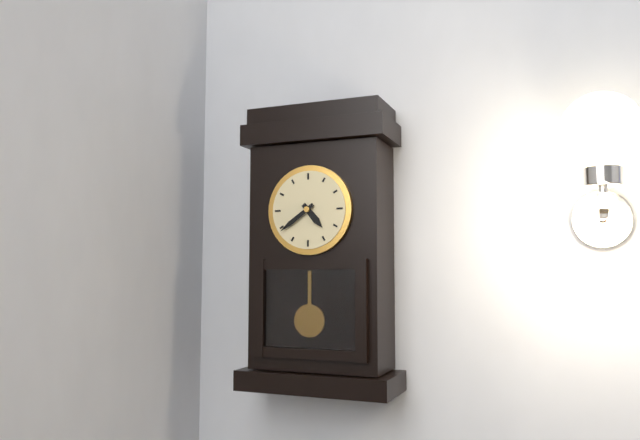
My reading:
{"hour": 4, "minute": 39}
